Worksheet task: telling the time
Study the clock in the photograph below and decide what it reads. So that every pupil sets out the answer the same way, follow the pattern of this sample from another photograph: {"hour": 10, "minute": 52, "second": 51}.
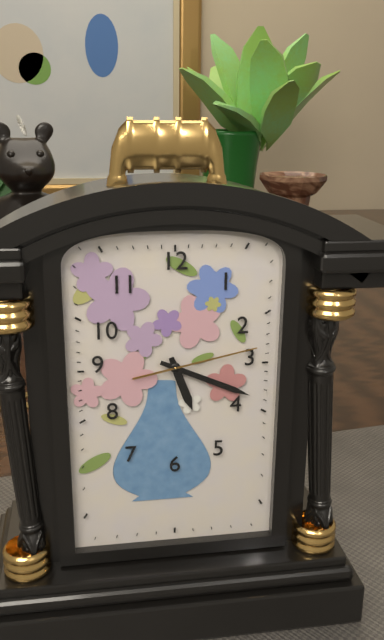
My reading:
{"hour": 5, "minute": 19, "second": 13}
